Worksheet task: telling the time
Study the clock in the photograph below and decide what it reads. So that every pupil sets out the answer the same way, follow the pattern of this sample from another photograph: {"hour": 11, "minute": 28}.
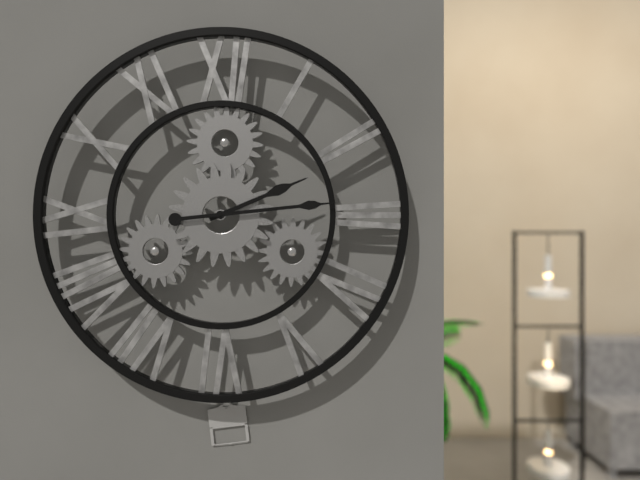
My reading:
{"hour": 2, "minute": 14}
